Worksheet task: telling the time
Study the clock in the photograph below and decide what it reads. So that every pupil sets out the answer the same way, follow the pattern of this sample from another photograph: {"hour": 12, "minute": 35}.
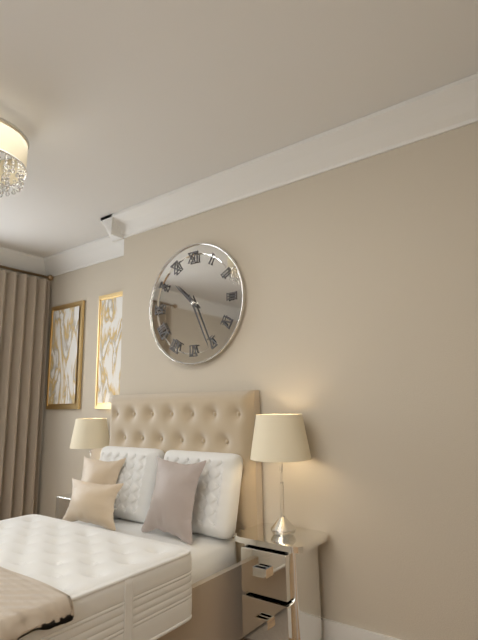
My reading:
{"hour": 10, "minute": 26}
